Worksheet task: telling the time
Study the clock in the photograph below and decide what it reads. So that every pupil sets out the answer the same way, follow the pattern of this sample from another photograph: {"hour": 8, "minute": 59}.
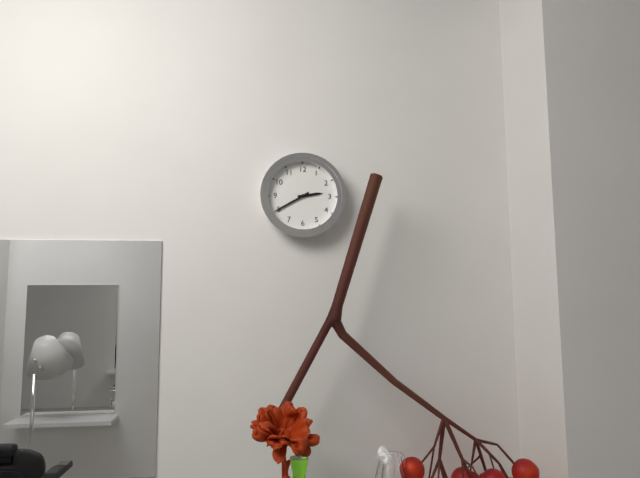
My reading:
{"hour": 2, "minute": 40}
